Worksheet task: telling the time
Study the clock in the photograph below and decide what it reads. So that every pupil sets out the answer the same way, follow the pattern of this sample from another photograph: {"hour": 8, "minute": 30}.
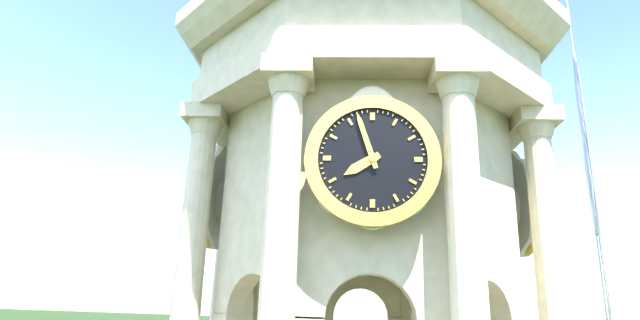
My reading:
{"hour": 7, "minute": 57}
